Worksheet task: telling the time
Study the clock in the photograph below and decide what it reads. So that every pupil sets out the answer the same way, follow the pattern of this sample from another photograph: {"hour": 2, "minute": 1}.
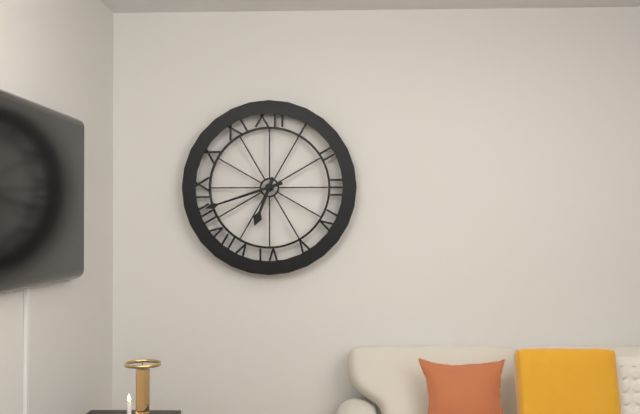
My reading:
{"hour": 6, "minute": 42}
